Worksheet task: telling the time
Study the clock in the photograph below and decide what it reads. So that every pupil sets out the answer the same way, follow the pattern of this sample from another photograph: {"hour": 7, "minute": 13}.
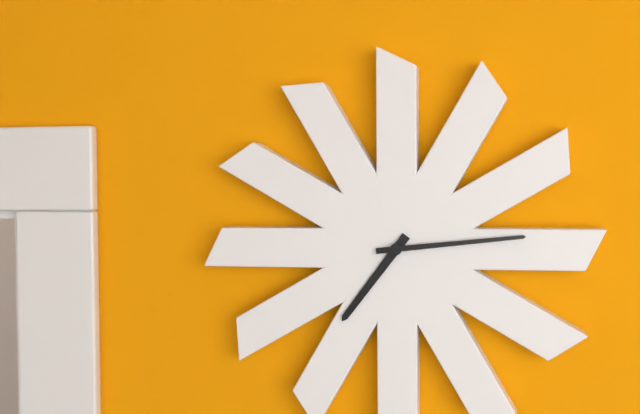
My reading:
{"hour": 7, "minute": 14}
